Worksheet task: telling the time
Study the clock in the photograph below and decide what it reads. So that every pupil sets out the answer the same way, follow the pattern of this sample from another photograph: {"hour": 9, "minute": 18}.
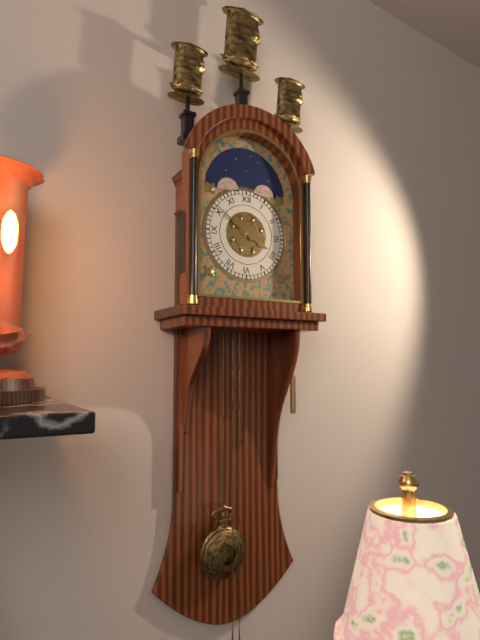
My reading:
{"hour": 3, "minute": 51}
